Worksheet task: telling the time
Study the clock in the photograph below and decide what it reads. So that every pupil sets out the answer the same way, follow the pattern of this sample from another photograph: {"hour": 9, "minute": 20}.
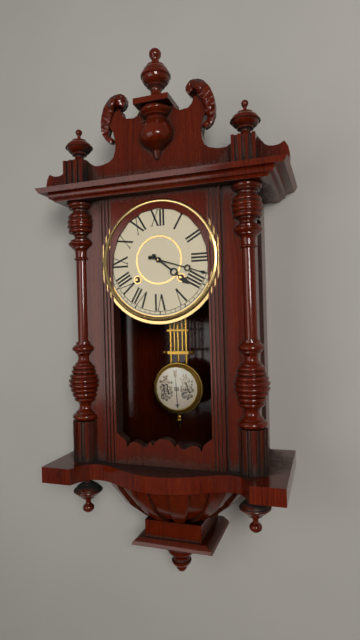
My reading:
{"hour": 4, "minute": 18}
